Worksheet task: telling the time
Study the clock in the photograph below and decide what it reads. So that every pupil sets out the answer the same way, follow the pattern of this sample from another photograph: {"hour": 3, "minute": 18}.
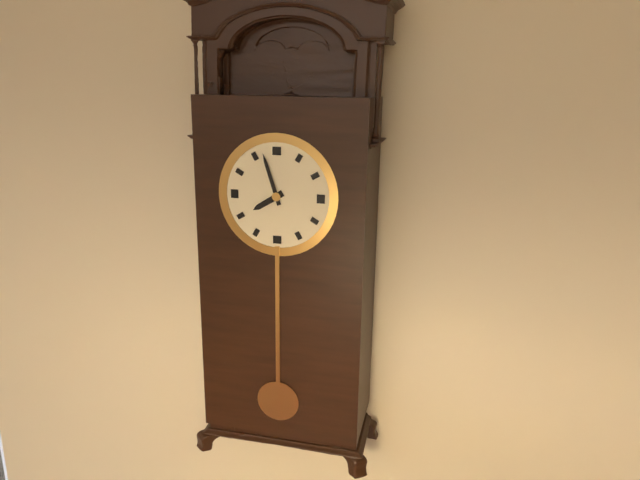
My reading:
{"hour": 7, "minute": 57}
